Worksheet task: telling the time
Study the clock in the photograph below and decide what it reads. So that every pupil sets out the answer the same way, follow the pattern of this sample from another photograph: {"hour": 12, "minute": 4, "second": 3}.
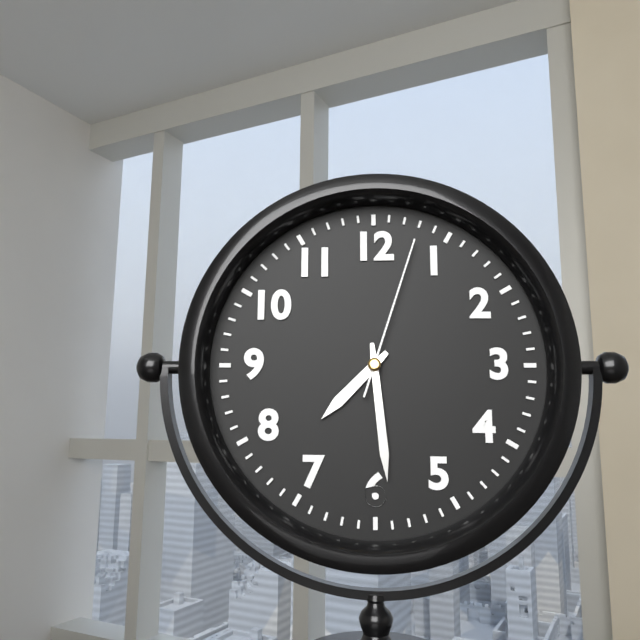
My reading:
{"hour": 7, "minute": 29, "second": 3}
